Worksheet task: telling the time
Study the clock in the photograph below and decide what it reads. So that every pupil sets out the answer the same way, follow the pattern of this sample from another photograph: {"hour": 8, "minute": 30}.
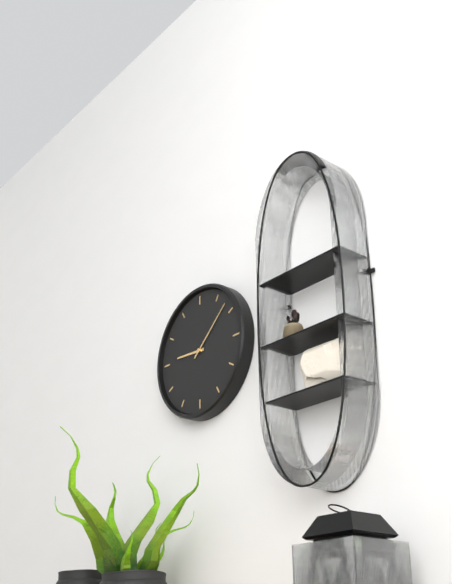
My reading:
{"hour": 9, "minute": 8}
